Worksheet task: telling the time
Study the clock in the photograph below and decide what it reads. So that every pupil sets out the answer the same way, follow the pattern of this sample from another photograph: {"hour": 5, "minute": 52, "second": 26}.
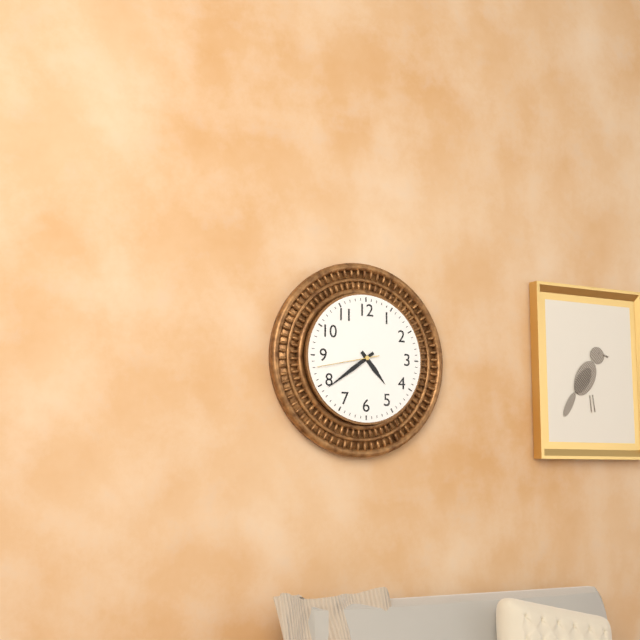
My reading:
{"hour": 4, "minute": 39, "second": 43}
